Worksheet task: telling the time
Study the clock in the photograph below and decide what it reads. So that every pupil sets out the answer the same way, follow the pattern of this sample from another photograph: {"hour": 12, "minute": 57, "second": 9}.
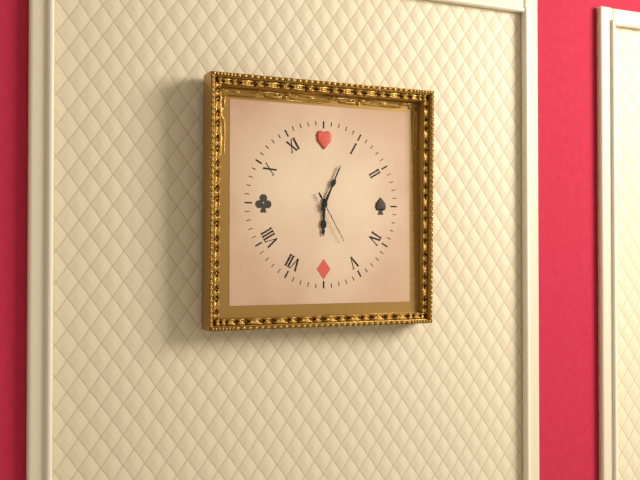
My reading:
{"hour": 6, "minute": 4, "second": 25}
